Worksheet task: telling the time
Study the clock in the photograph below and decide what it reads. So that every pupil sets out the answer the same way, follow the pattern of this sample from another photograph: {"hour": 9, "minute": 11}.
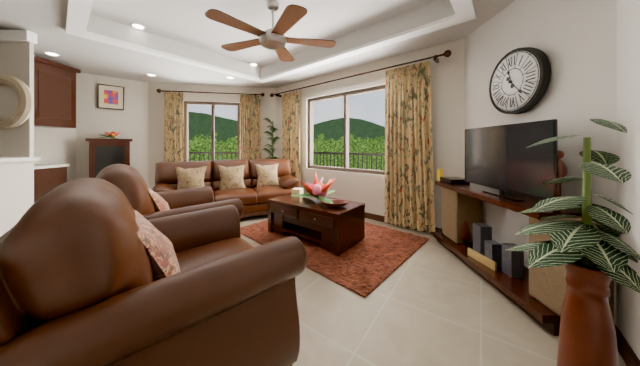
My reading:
{"hour": 11, "minute": 23}
